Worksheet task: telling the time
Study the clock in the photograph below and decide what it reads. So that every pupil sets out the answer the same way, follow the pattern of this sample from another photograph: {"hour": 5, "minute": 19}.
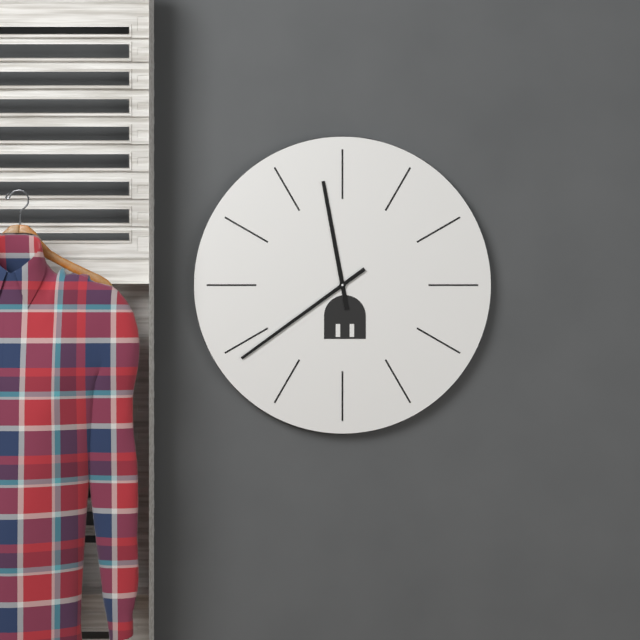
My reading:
{"hour": 11, "minute": 39}
